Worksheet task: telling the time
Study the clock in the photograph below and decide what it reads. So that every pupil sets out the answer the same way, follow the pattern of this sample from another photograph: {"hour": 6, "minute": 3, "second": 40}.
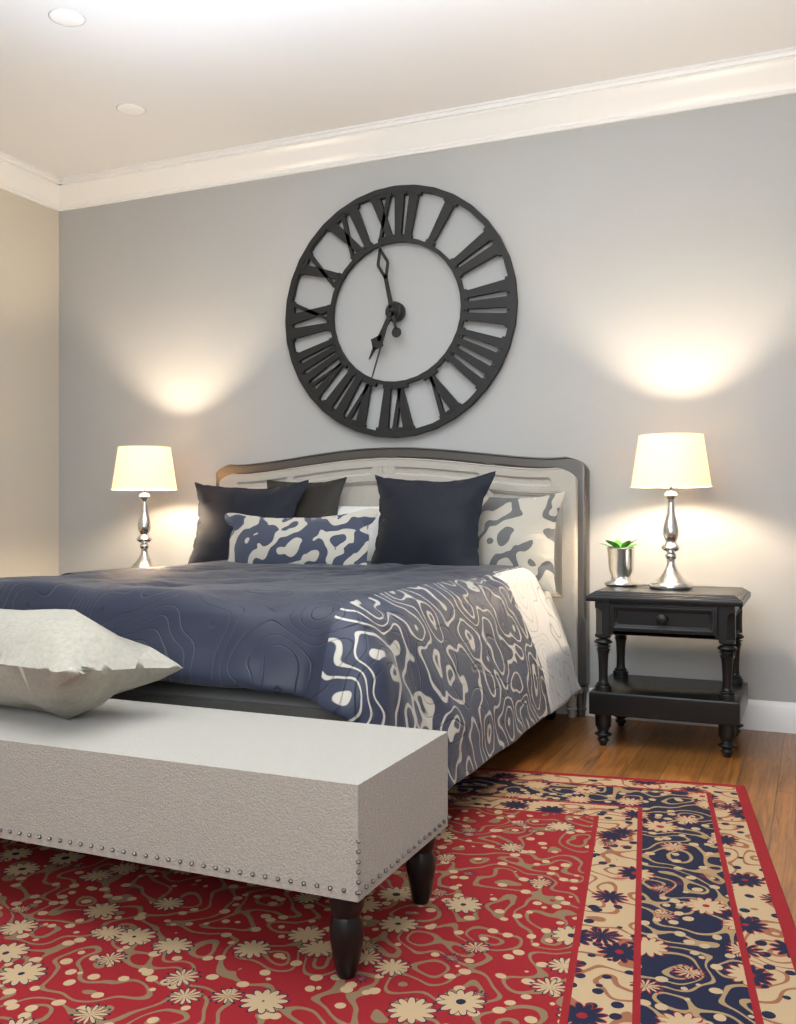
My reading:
{"hour": 6, "minute": 58, "second": 33}
